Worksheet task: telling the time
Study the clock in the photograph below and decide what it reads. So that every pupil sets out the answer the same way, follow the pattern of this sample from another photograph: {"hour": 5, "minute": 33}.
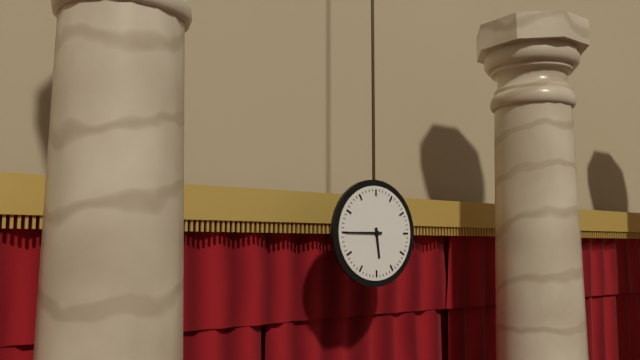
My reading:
{"hour": 5, "minute": 45}
